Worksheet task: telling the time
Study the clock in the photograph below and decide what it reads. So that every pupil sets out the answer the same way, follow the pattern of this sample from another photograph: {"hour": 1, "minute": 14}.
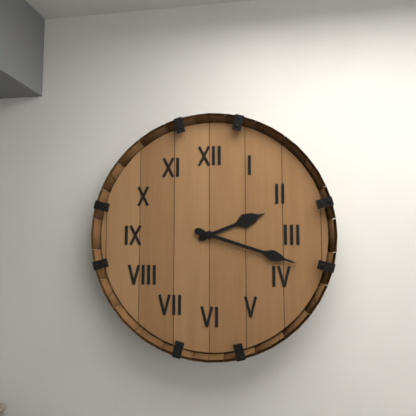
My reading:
{"hour": 2, "minute": 18}
